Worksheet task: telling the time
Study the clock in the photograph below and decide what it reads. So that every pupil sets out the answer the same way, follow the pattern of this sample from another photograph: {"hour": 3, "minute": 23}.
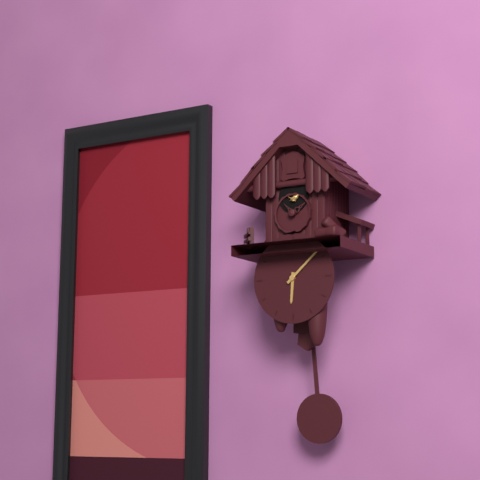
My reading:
{"hour": 6, "minute": 8}
